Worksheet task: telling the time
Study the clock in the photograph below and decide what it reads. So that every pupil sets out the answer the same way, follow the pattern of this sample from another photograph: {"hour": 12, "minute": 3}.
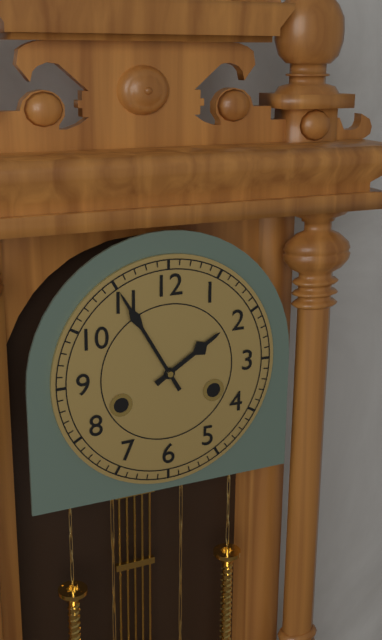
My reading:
{"hour": 1, "minute": 55}
